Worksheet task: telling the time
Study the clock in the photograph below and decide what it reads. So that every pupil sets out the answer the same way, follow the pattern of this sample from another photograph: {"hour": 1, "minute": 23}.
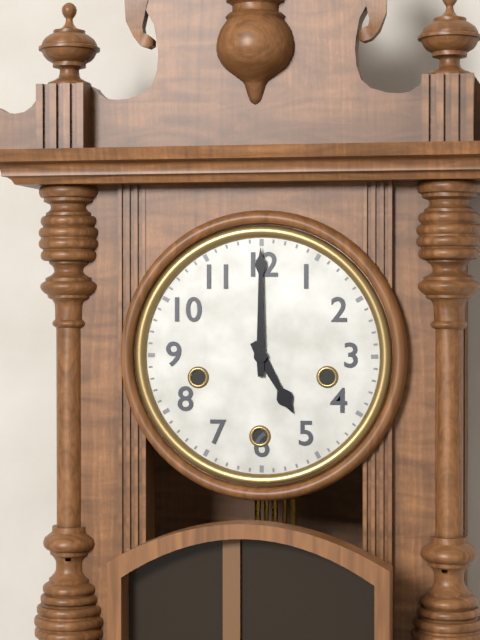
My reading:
{"hour": 5, "minute": 0}
